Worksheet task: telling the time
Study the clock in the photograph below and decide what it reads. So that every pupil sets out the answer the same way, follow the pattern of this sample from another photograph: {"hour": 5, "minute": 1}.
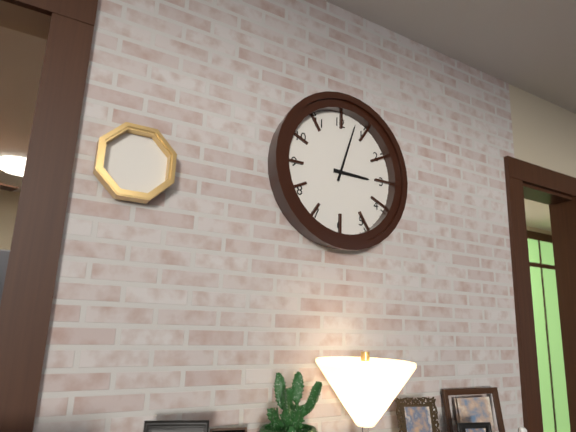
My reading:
{"hour": 3, "minute": 3}
